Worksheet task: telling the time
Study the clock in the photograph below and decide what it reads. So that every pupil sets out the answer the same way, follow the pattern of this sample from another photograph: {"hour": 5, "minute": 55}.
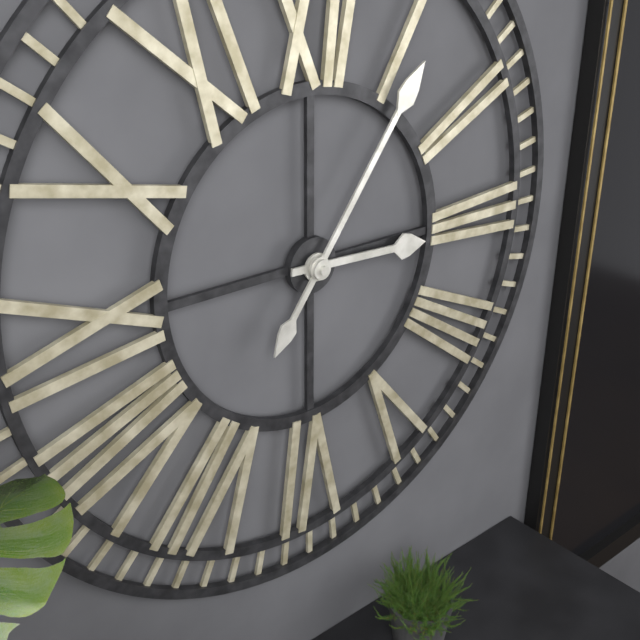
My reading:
{"hour": 3, "minute": 6}
